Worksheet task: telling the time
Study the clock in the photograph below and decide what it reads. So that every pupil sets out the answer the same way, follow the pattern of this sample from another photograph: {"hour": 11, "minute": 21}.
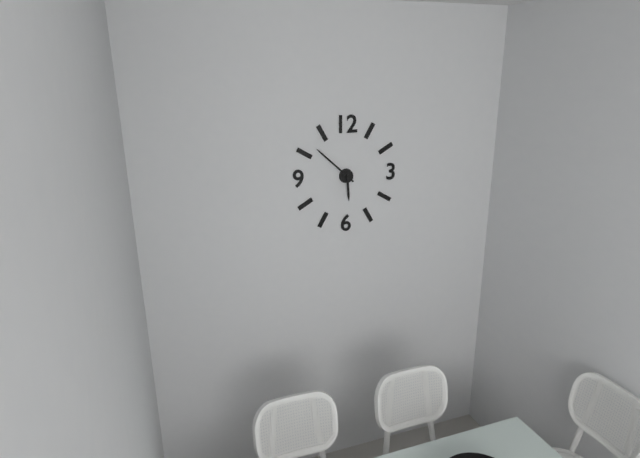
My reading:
{"hour": 5, "minute": 52}
